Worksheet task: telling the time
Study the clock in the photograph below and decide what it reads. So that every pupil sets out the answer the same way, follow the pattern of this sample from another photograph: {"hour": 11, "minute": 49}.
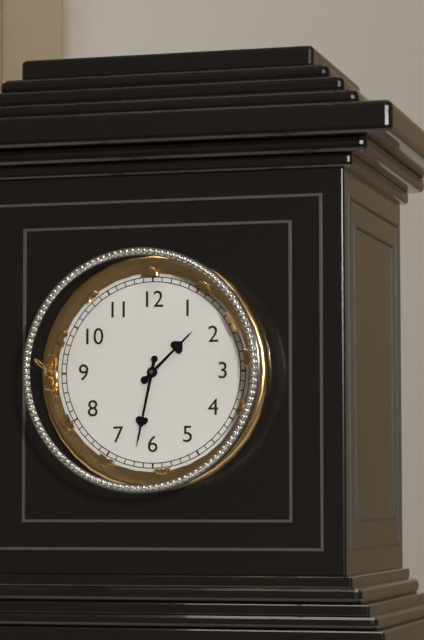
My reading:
{"hour": 1, "minute": 32}
